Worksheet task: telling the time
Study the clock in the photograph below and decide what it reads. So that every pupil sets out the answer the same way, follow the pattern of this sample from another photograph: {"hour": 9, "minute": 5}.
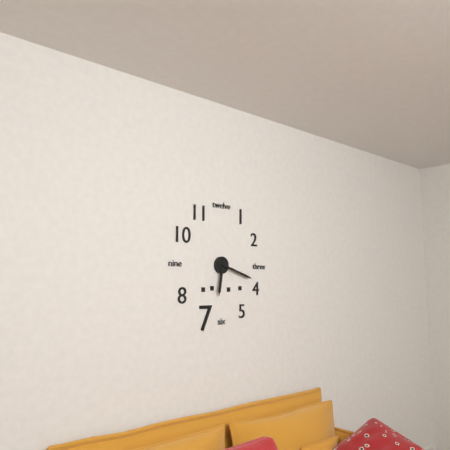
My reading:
{"hour": 6, "minute": 18}
